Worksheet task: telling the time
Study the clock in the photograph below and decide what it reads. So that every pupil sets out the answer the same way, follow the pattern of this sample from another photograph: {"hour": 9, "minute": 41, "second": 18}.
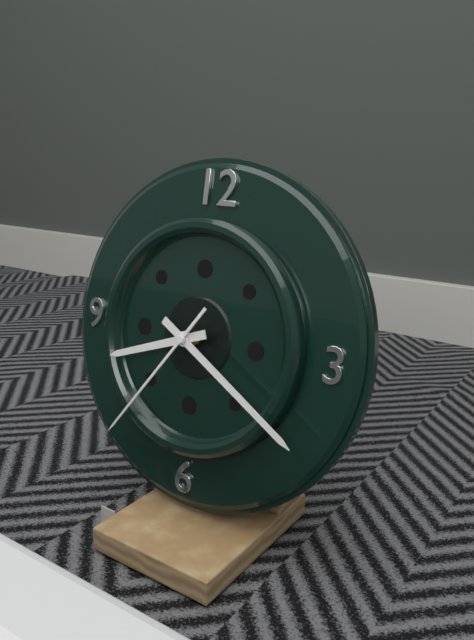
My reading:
{"hour": 8, "minute": 20, "second": 36}
